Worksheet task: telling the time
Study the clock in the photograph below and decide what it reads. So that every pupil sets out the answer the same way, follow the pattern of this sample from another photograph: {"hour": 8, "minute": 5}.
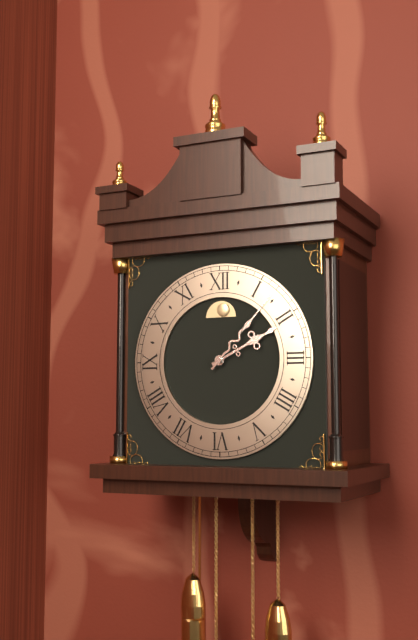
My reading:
{"hour": 2, "minute": 7}
